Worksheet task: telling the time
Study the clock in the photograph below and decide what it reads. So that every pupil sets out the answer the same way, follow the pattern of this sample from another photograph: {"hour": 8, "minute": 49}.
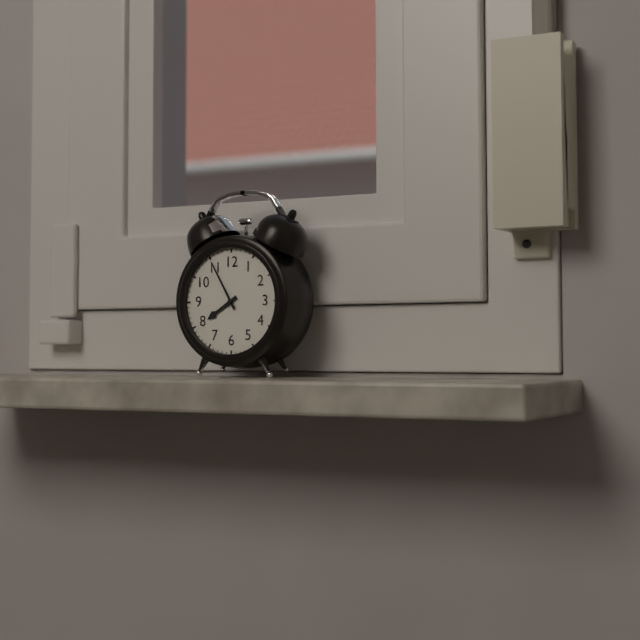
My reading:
{"hour": 7, "minute": 55}
